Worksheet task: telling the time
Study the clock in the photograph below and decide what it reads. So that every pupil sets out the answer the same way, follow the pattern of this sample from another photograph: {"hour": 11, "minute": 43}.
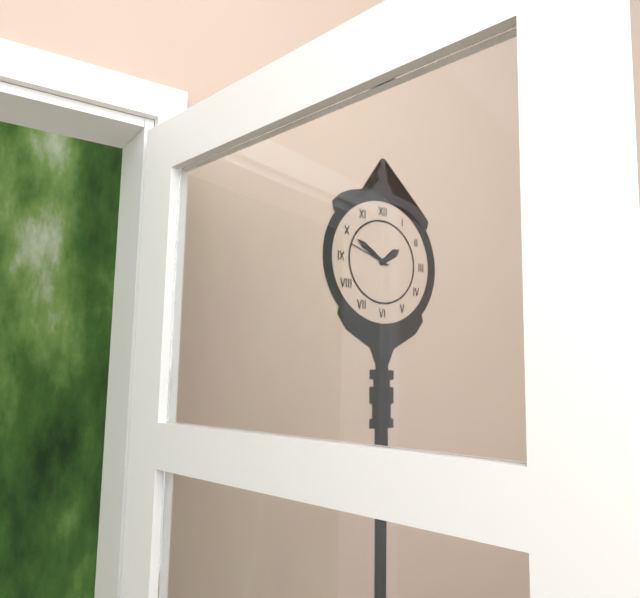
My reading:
{"hour": 1, "minute": 50}
